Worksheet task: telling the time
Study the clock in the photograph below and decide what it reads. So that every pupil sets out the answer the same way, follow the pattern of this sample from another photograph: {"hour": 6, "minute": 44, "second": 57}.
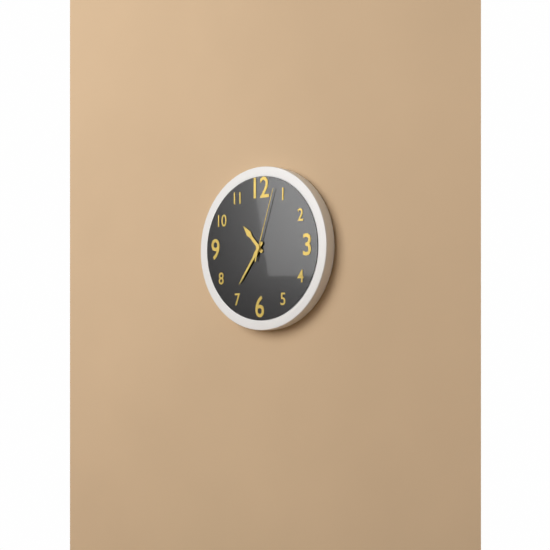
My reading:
{"hour": 10, "minute": 36, "second": 3}
